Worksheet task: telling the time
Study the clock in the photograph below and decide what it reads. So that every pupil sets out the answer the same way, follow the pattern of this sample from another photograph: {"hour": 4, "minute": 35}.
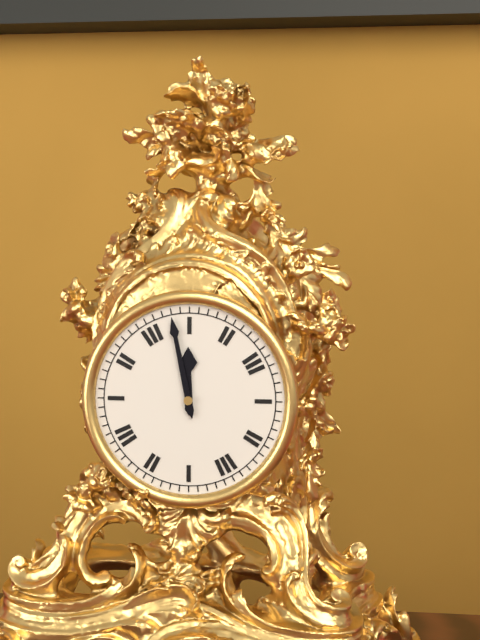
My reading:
{"hour": 11, "minute": 58}
